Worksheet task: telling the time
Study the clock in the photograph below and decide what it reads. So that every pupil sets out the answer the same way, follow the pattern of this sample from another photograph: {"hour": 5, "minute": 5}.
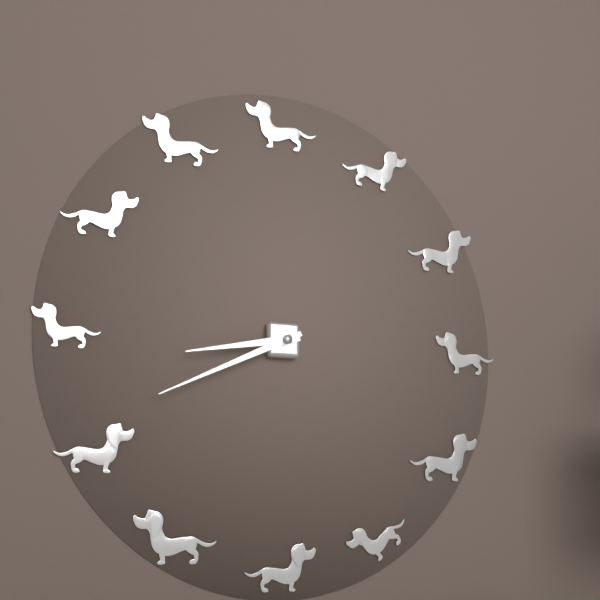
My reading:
{"hour": 8, "minute": 41}
